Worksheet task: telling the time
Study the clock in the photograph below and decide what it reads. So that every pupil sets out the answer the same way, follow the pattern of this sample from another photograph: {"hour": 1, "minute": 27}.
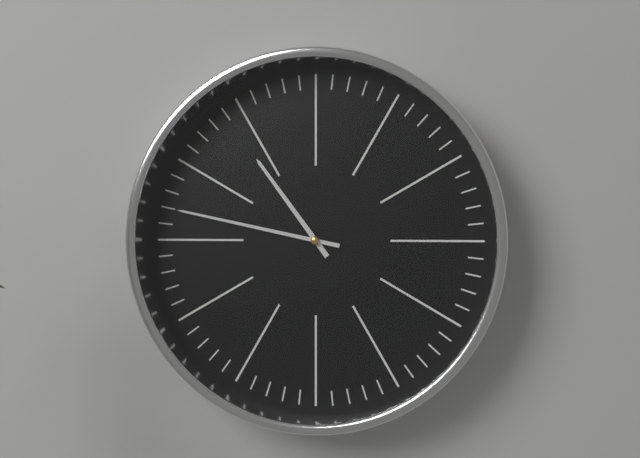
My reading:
{"hour": 10, "minute": 47}
